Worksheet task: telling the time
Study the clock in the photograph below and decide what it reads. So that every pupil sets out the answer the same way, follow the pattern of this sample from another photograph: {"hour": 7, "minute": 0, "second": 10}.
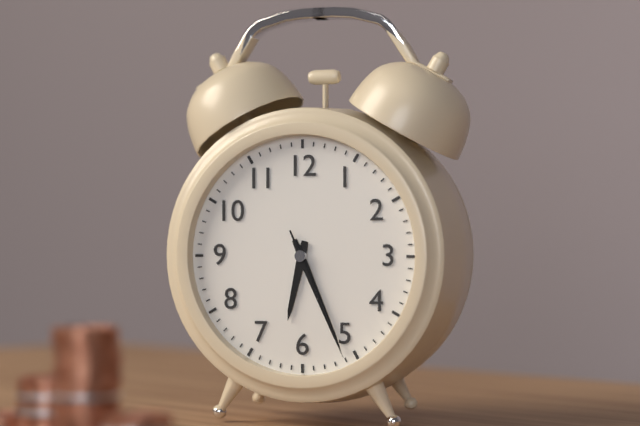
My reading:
{"hour": 6, "minute": 26, "second": 26}
